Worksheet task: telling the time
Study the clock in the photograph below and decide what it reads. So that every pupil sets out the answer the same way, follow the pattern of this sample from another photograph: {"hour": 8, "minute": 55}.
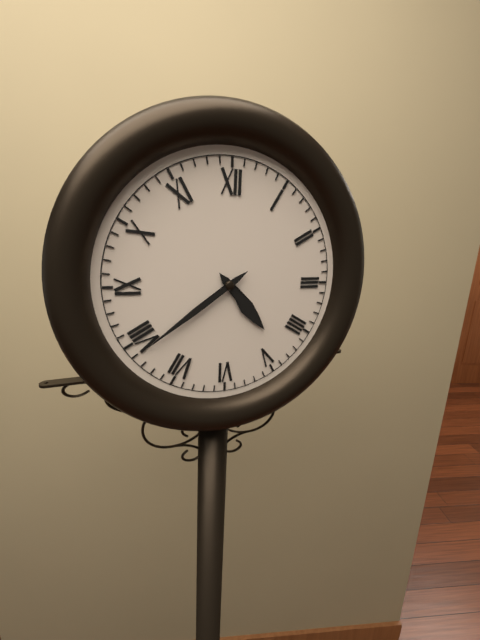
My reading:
{"hour": 4, "minute": 39}
